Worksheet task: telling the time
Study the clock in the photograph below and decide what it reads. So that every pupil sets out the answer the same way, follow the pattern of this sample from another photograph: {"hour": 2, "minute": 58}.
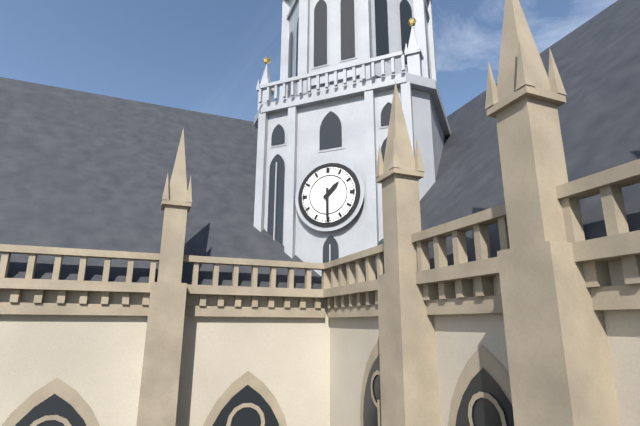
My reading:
{"hour": 1, "minute": 30}
